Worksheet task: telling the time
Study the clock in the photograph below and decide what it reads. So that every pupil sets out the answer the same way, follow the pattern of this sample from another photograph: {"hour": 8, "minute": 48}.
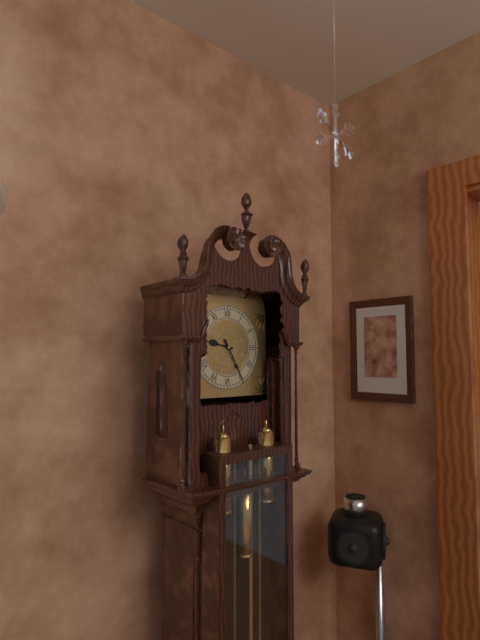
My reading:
{"hour": 9, "minute": 25}
